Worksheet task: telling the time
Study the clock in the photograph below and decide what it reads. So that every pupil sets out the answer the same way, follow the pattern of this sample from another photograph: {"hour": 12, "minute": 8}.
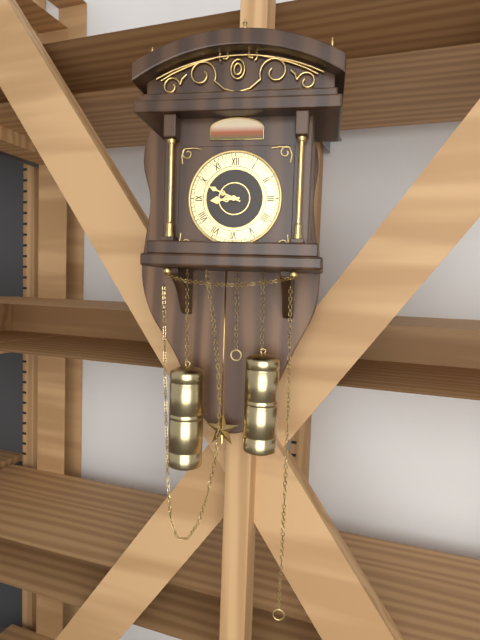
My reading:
{"hour": 8, "minute": 49}
